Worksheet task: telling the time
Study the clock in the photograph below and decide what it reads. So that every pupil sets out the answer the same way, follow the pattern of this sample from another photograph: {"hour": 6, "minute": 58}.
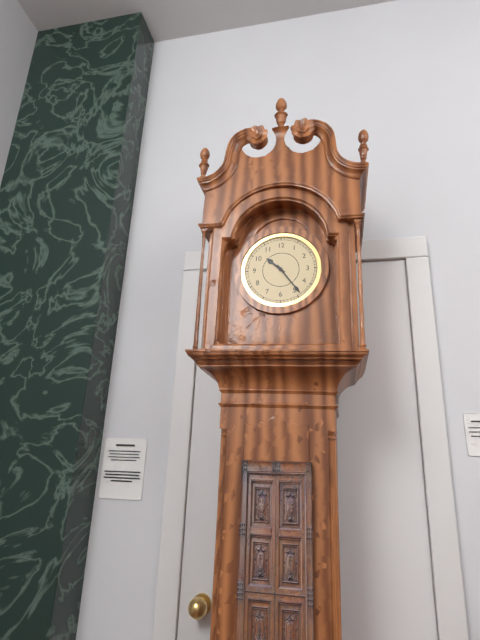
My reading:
{"hour": 10, "minute": 24}
